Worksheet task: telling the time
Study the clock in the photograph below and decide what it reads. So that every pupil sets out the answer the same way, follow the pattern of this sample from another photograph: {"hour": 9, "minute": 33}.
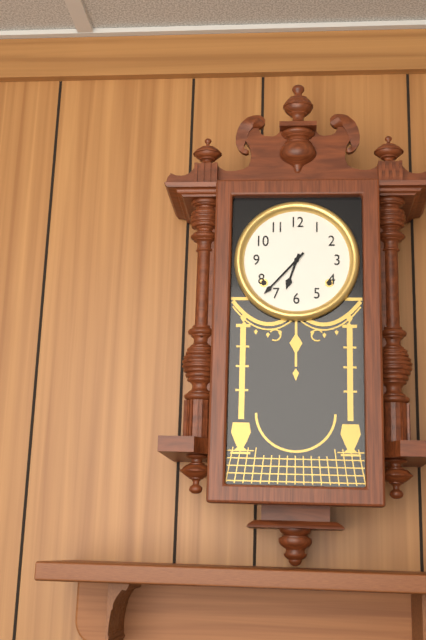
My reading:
{"hour": 6, "minute": 37}
